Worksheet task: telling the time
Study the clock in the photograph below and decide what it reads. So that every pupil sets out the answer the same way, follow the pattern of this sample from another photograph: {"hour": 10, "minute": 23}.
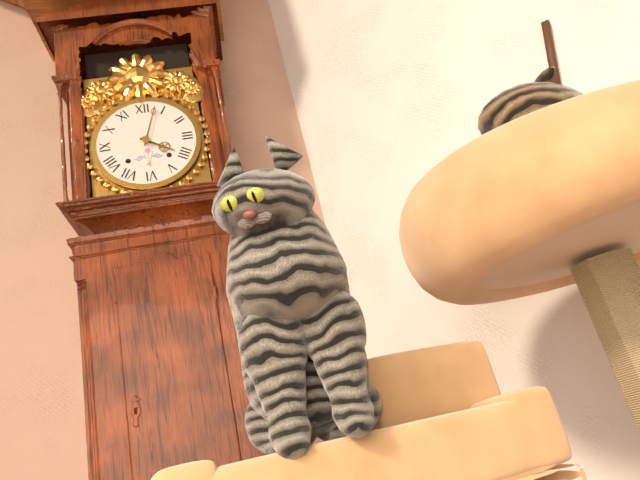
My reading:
{"hour": 4, "minute": 3}
